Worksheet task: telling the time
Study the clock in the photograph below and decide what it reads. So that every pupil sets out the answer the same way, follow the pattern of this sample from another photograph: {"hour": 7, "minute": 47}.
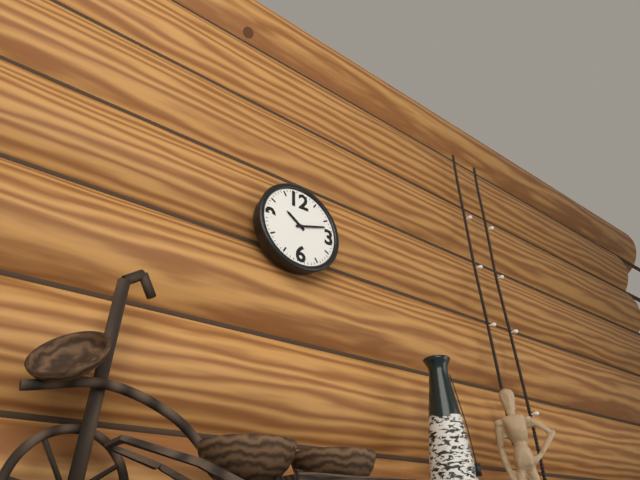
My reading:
{"hour": 10, "minute": 12}
